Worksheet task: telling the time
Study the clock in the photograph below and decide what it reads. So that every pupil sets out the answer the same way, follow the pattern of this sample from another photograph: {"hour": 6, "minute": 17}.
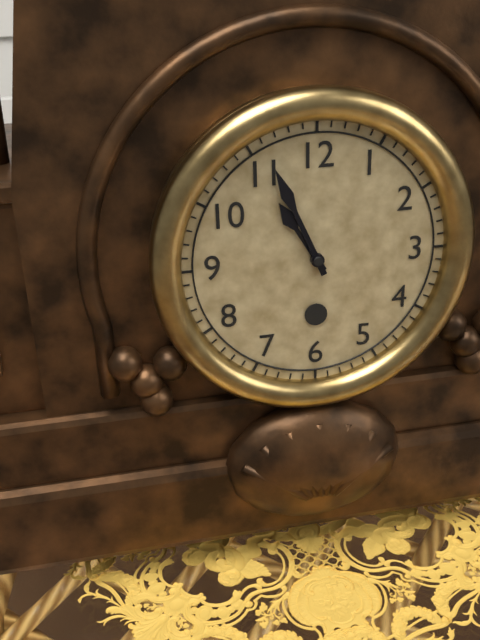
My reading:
{"hour": 10, "minute": 56}
